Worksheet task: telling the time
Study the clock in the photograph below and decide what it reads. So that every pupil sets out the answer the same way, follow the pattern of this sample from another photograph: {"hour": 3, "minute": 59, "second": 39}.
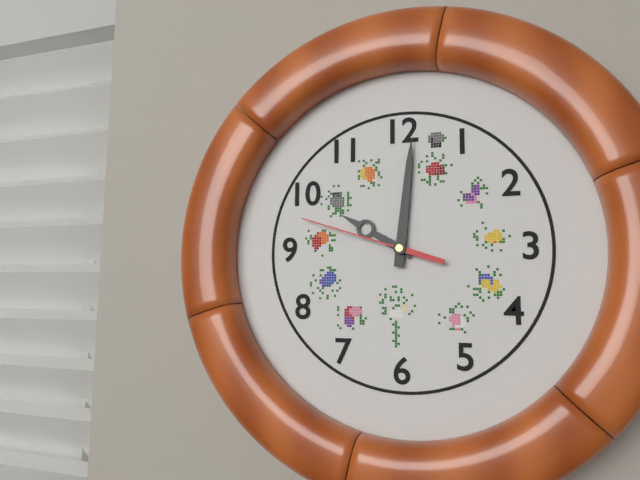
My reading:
{"hour": 10, "minute": 1, "second": 48}
